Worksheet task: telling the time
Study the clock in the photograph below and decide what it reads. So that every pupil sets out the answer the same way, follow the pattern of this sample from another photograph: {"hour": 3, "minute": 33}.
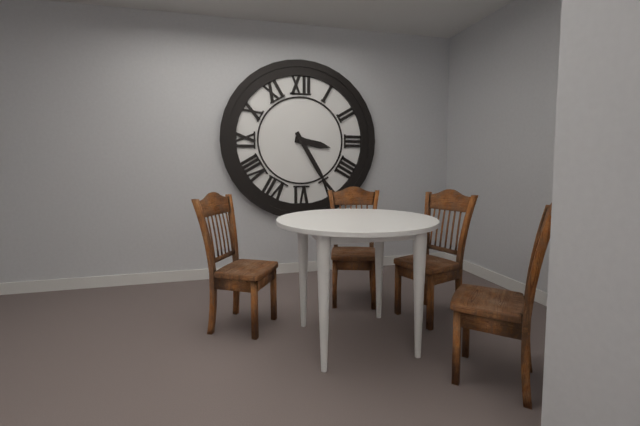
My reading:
{"hour": 3, "minute": 25}
